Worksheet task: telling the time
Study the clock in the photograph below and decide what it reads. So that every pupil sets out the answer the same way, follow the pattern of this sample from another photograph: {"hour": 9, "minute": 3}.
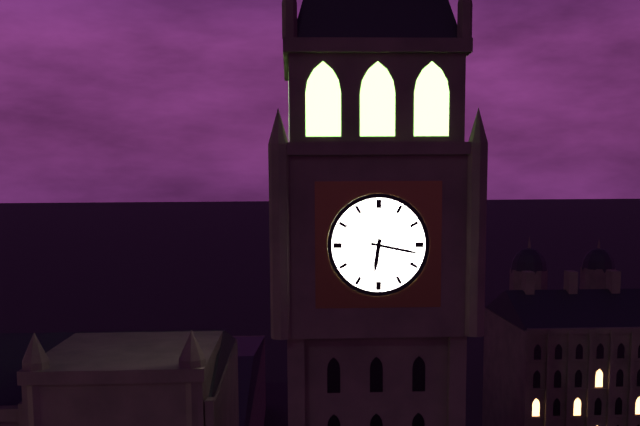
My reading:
{"hour": 6, "minute": 17}
